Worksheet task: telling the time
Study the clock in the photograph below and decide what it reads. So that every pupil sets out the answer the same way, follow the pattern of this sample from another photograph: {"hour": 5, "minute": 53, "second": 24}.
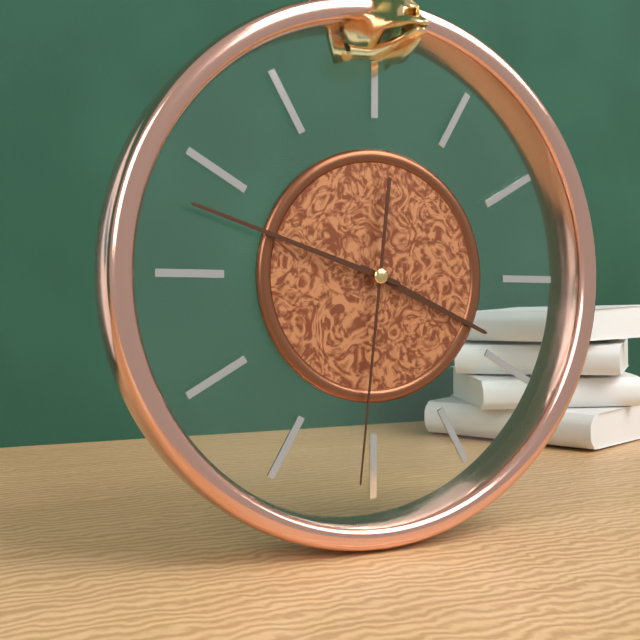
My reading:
{"hour": 3, "minute": 48, "second": 31}
